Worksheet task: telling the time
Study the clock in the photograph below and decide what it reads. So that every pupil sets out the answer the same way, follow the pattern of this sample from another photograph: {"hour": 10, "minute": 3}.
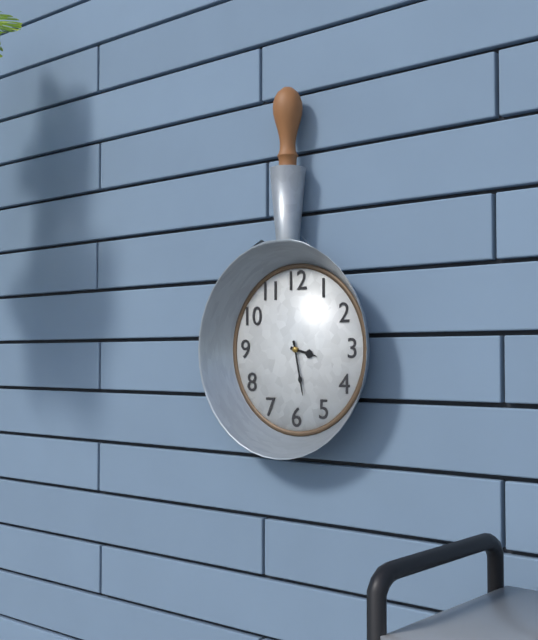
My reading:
{"hour": 3, "minute": 28}
